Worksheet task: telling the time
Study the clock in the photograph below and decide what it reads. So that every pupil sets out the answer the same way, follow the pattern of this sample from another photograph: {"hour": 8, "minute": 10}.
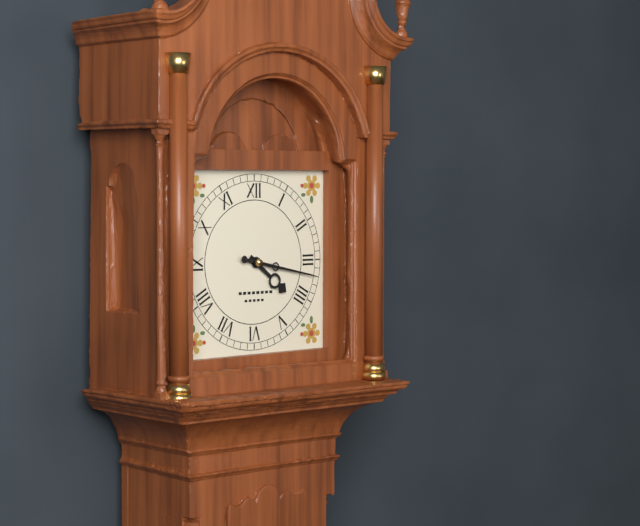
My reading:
{"hour": 4, "minute": 17}
